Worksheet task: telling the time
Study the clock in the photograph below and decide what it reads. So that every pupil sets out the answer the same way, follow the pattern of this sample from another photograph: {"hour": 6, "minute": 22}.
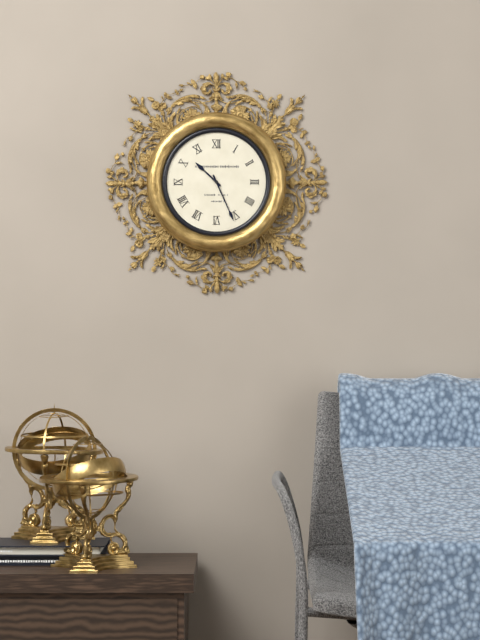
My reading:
{"hour": 10, "minute": 26}
